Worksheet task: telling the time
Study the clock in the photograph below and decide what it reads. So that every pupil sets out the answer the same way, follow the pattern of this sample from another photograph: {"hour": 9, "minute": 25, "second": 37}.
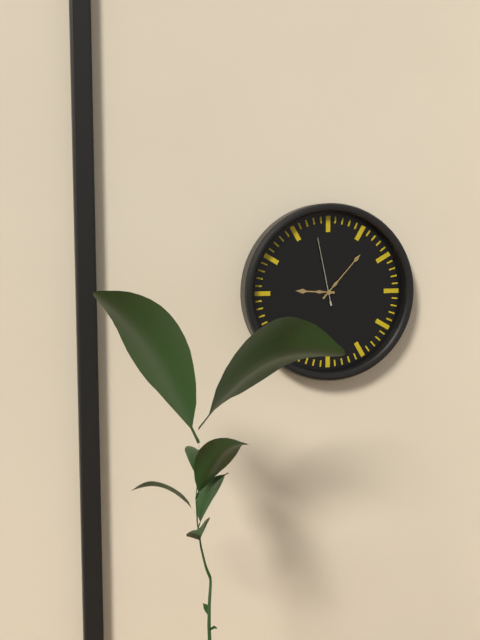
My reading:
{"hour": 9, "minute": 7, "second": 58}
